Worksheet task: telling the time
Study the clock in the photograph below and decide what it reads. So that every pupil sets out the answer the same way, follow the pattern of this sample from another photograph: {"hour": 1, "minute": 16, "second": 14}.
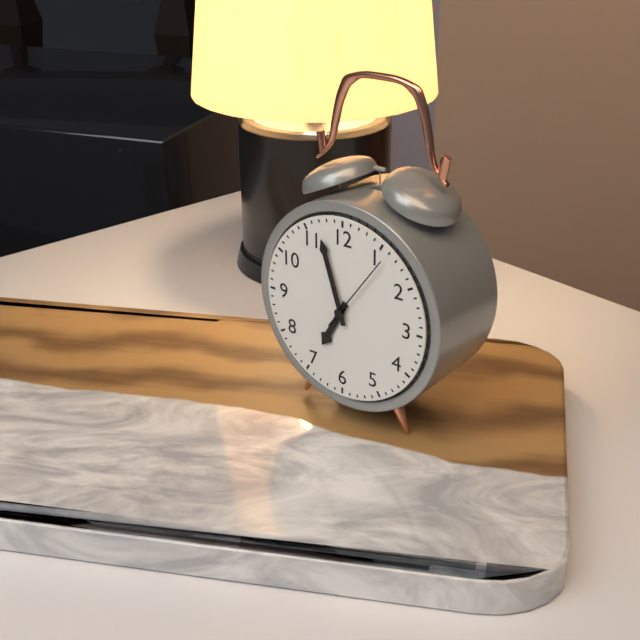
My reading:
{"hour": 6, "minute": 57, "second": 6}
